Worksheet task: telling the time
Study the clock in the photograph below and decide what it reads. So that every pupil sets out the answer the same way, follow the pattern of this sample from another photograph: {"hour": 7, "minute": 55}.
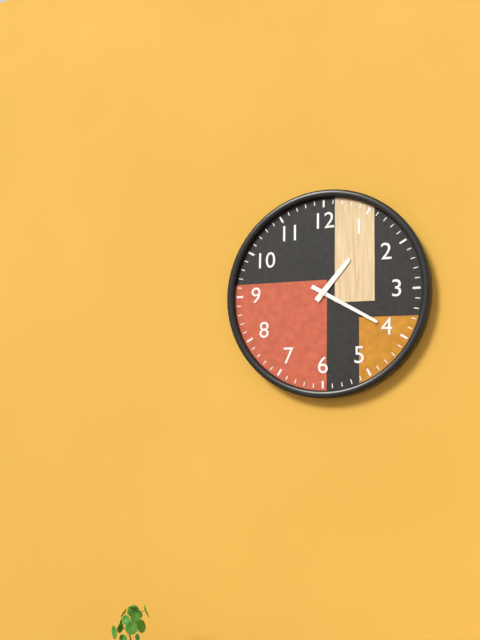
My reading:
{"hour": 1, "minute": 20}
